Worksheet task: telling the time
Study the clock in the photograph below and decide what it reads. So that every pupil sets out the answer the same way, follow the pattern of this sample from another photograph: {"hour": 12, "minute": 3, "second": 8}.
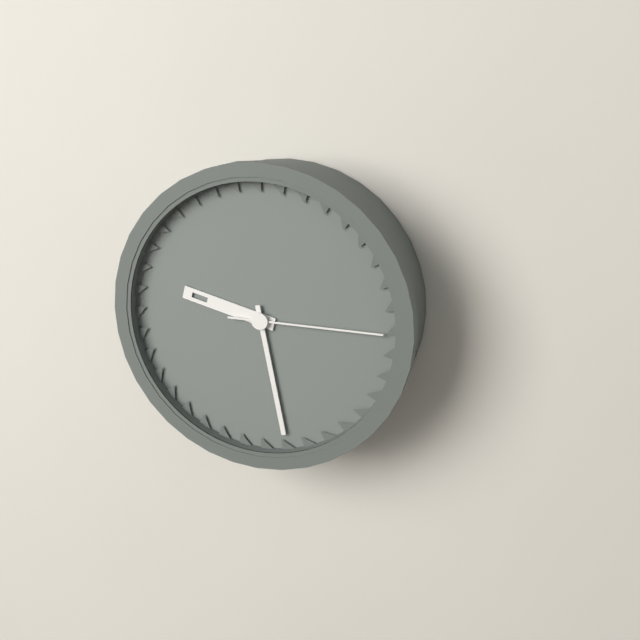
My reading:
{"hour": 9, "minute": 28, "second": 15}
